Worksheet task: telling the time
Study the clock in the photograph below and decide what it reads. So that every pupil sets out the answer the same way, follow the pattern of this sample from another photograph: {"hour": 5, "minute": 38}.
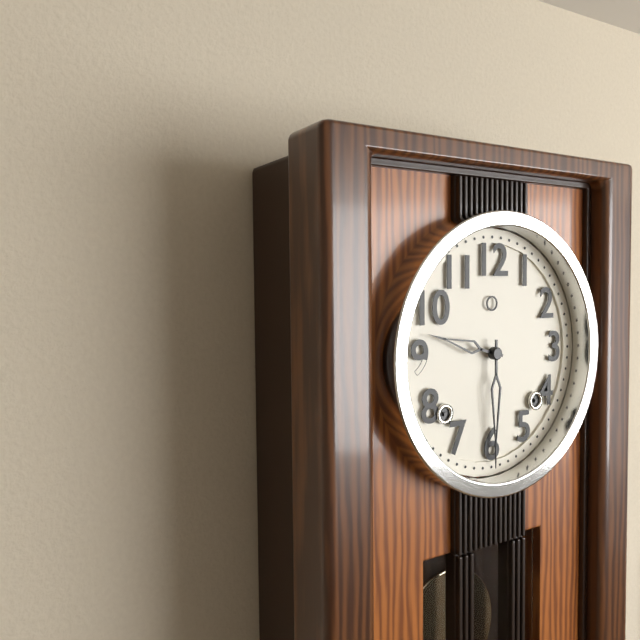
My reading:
{"hour": 9, "minute": 30}
